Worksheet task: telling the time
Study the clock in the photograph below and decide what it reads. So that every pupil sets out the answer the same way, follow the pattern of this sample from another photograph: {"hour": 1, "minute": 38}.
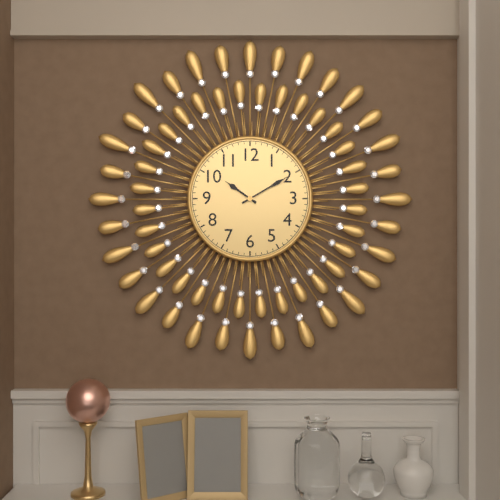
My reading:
{"hour": 10, "minute": 10}
